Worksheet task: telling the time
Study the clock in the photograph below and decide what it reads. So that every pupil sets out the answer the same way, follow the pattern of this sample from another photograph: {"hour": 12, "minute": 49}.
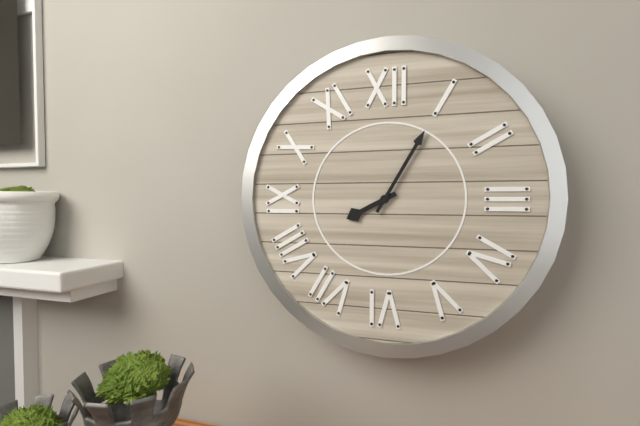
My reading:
{"hour": 8, "minute": 5}
